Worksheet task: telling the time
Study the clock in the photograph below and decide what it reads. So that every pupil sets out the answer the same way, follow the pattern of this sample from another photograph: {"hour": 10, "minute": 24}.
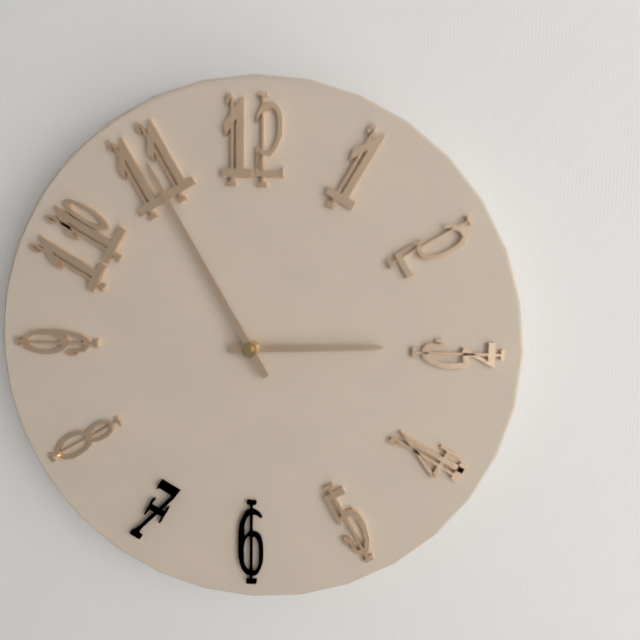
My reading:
{"hour": 2, "minute": 55}
